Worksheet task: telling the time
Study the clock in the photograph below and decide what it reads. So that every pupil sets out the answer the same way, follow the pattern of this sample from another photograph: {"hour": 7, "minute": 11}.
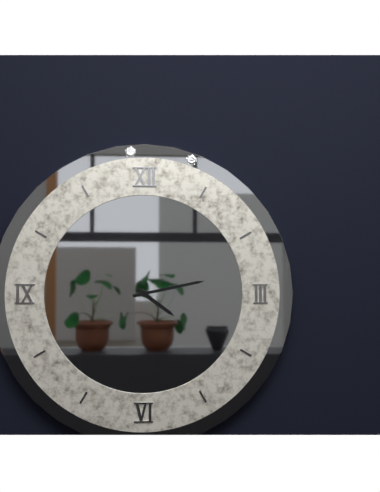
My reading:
{"hour": 4, "minute": 13}
